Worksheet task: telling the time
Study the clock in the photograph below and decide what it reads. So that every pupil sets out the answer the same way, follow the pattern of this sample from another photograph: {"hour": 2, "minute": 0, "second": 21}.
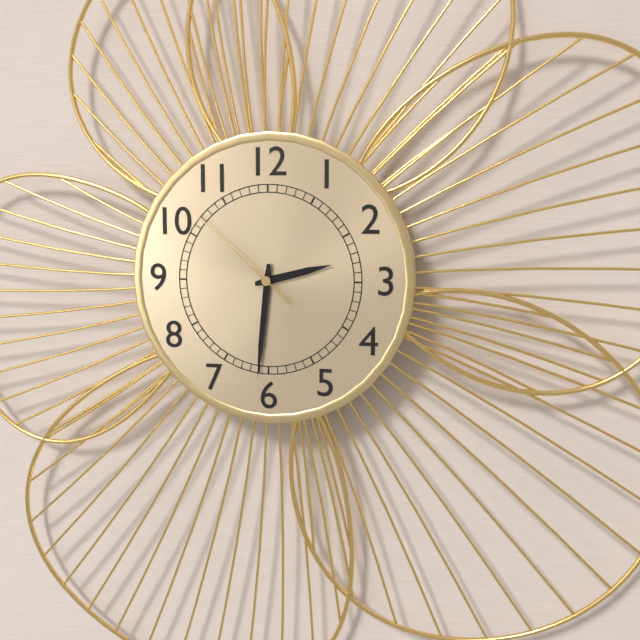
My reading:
{"hour": 2, "minute": 31, "second": 52}
